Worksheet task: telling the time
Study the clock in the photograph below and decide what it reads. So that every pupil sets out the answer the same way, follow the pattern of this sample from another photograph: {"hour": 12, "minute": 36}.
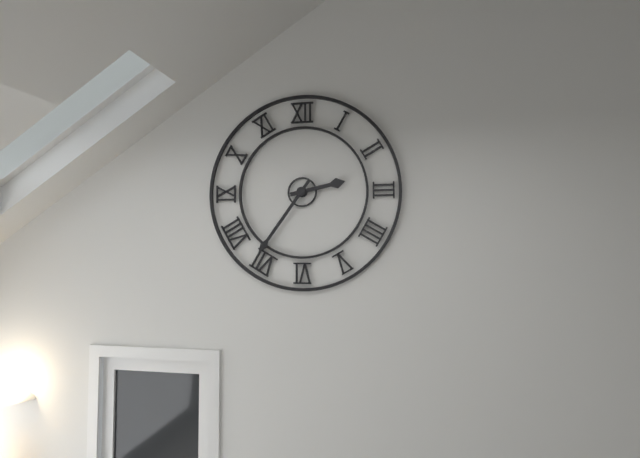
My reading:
{"hour": 2, "minute": 36}
